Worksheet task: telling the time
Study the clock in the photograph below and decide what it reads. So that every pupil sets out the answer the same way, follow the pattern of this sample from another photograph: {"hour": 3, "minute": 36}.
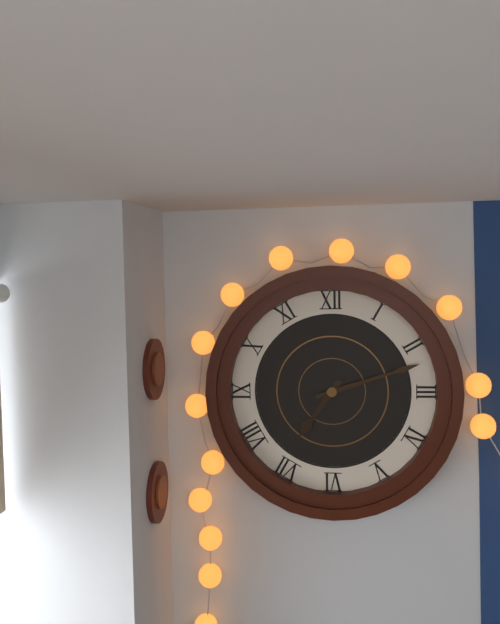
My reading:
{"hour": 7, "minute": 12}
